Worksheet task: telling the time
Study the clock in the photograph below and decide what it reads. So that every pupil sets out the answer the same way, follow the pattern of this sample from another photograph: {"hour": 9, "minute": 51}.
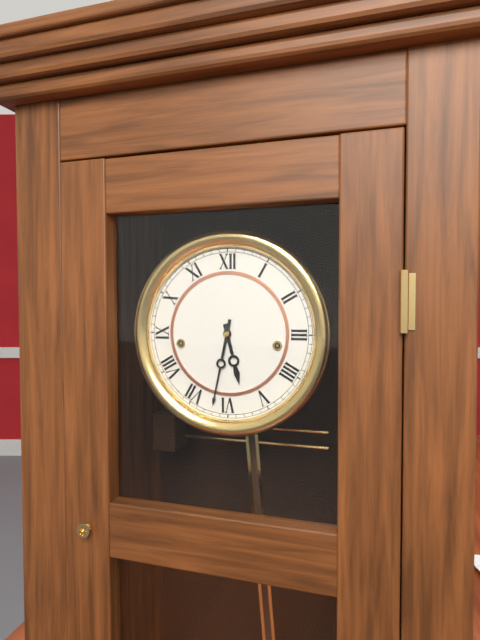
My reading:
{"hour": 5, "minute": 32}
